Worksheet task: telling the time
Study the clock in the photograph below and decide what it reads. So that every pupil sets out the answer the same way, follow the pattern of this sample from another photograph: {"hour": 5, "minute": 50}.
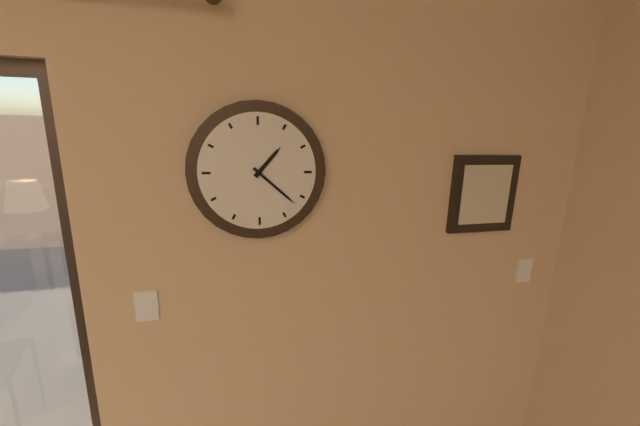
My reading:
{"hour": 1, "minute": 22}
